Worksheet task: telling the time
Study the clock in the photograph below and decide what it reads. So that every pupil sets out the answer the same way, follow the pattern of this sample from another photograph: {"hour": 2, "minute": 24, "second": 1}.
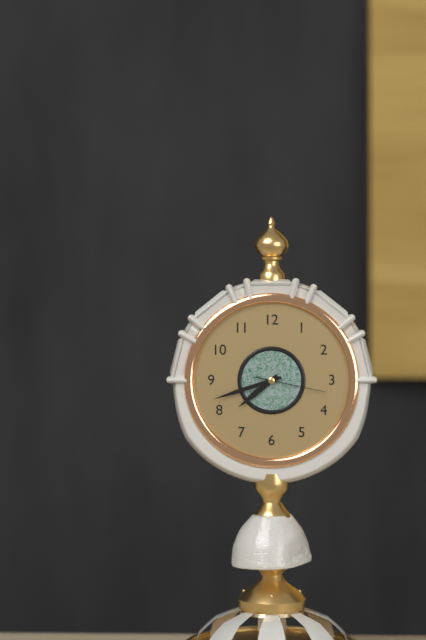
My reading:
{"hour": 7, "minute": 42, "second": 17}
